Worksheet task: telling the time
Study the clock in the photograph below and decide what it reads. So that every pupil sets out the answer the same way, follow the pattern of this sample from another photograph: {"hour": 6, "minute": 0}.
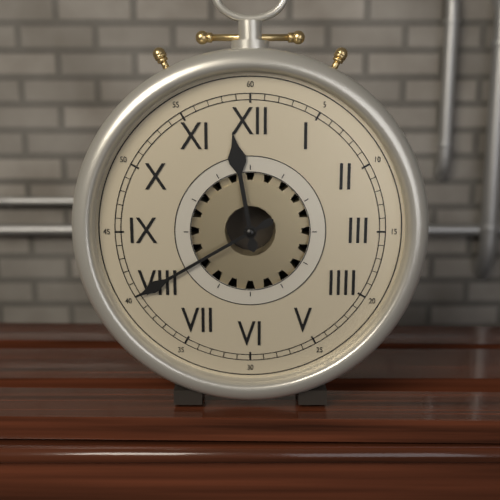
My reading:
{"hour": 11, "minute": 40}
